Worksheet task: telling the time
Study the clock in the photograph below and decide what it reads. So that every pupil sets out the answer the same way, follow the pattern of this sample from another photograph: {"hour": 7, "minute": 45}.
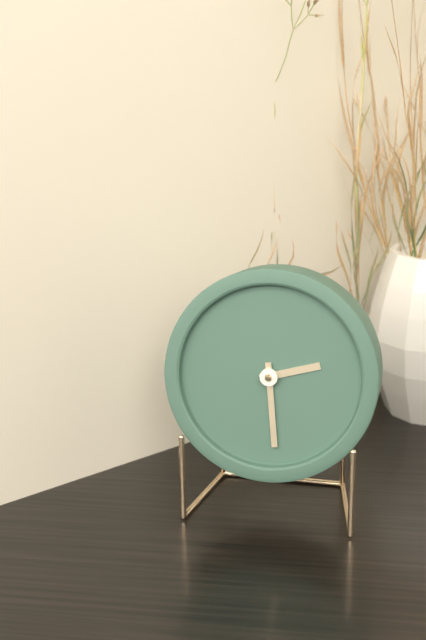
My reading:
{"hour": 2, "minute": 29}
